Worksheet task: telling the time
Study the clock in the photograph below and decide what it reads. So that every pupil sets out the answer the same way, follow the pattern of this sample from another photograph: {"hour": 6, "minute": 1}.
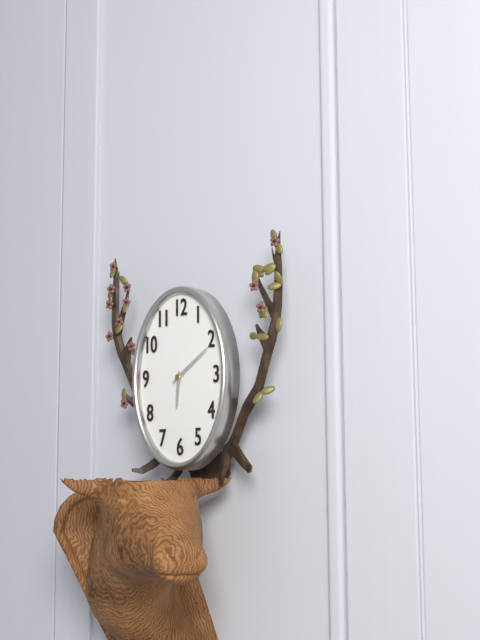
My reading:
{"hour": 6, "minute": 9}
